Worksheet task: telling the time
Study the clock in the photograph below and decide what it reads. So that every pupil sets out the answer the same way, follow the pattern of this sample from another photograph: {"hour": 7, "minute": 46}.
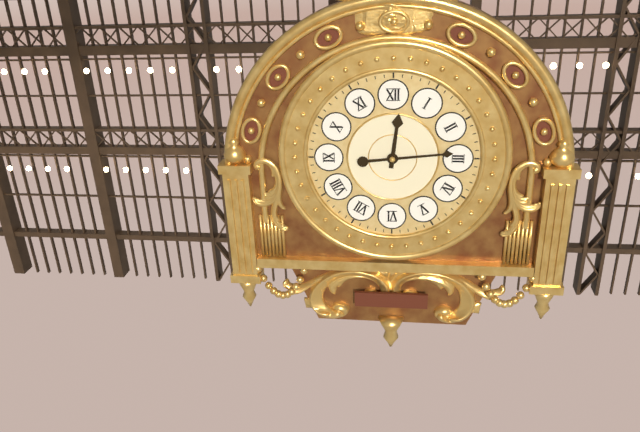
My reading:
{"hour": 12, "minute": 14}
